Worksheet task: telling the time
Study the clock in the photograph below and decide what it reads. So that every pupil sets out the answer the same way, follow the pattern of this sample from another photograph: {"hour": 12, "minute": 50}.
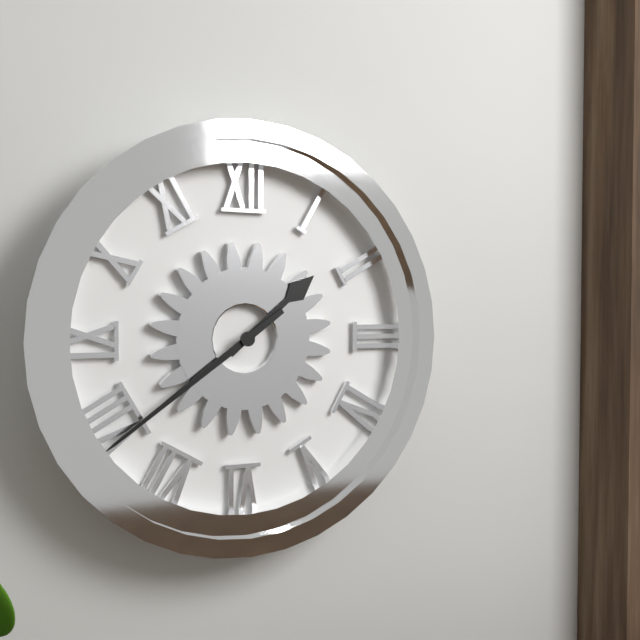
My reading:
{"hour": 1, "minute": 39}
